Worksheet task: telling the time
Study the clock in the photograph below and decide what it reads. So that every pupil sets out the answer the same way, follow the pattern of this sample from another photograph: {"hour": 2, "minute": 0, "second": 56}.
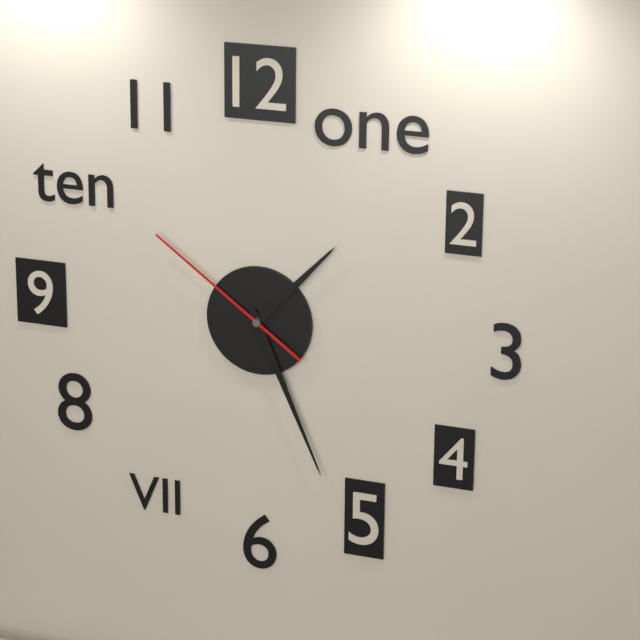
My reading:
{"hour": 1, "minute": 26, "second": 51}
